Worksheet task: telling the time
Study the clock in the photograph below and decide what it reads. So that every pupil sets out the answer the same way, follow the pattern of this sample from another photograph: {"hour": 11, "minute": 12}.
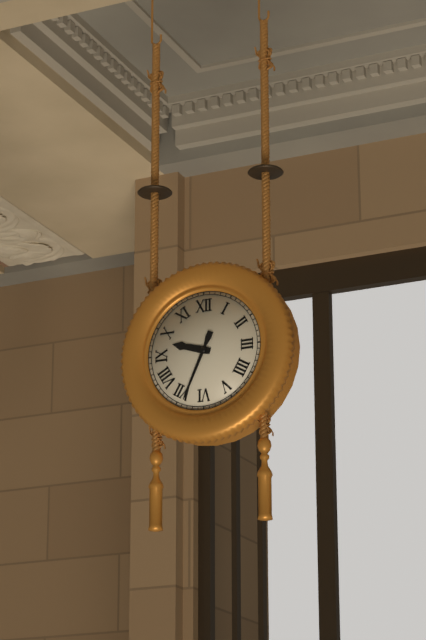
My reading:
{"hour": 9, "minute": 34}
